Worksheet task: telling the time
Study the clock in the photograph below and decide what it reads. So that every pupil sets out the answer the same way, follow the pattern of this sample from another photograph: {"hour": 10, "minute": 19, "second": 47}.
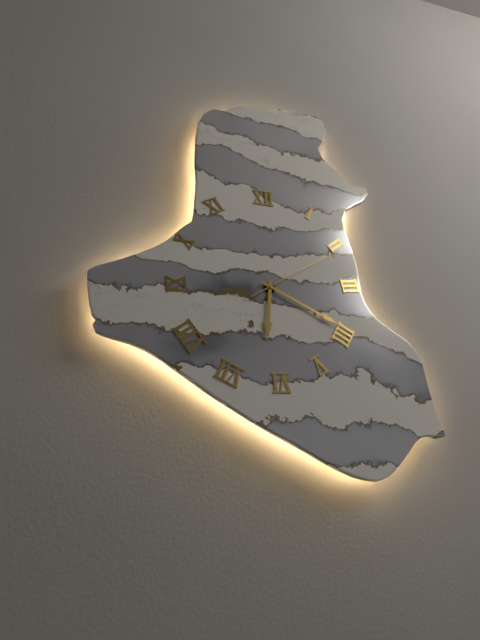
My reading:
{"hour": 6, "minute": 20, "second": 10}
